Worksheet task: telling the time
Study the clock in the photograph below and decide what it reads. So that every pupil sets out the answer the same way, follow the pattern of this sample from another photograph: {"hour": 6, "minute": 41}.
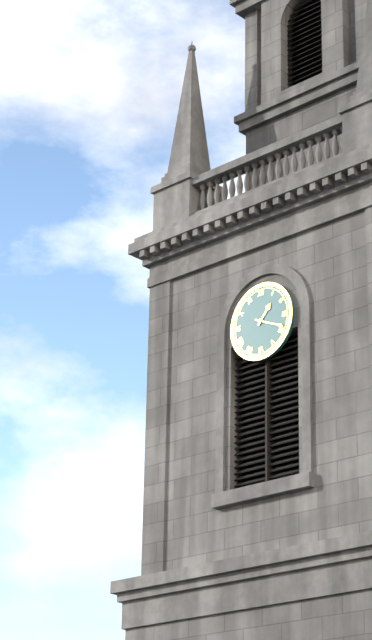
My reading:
{"hour": 1, "minute": 19}
